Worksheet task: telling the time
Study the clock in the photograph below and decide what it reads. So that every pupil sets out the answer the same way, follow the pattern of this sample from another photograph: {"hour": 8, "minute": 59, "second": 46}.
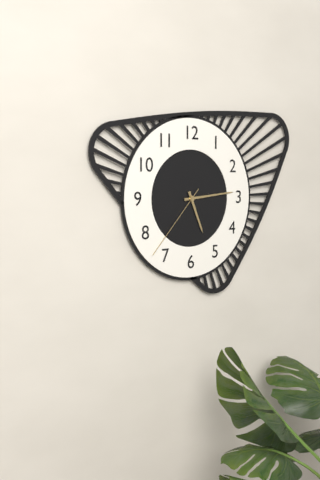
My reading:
{"hour": 5, "minute": 14, "second": 37}
